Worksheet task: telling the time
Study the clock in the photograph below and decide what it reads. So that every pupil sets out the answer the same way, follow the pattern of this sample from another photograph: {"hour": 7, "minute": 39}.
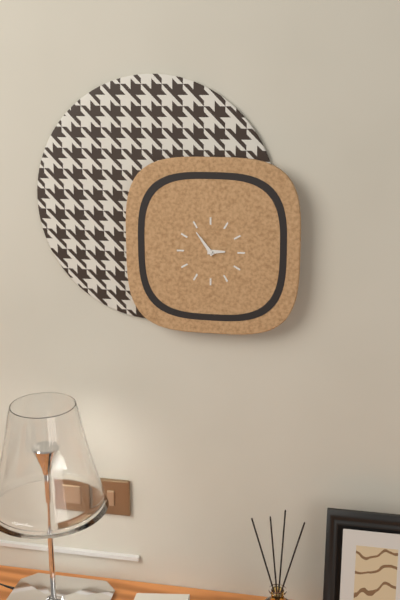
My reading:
{"hour": 2, "minute": 54}
